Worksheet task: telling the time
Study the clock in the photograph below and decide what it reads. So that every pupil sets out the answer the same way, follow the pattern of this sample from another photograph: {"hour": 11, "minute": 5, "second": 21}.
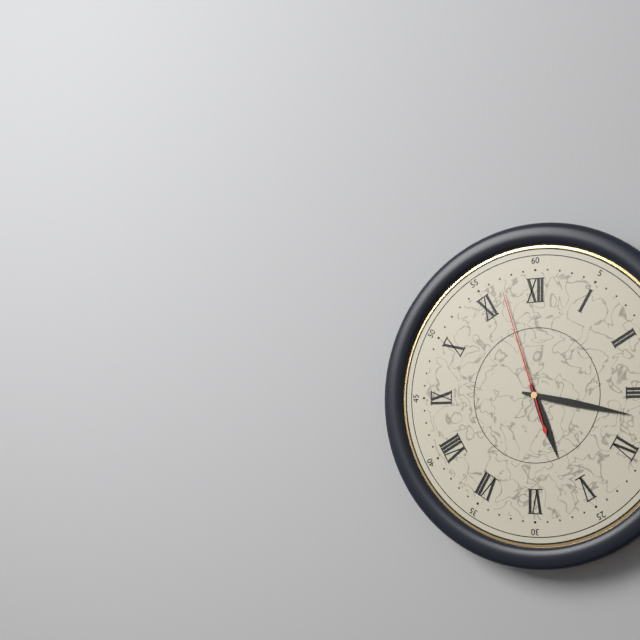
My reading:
{"hour": 5, "minute": 17, "second": 57}
